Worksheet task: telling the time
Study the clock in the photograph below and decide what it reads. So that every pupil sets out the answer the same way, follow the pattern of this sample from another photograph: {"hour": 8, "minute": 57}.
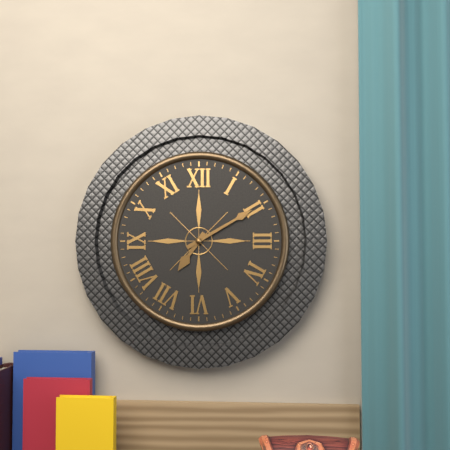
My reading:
{"hour": 7, "minute": 10}
